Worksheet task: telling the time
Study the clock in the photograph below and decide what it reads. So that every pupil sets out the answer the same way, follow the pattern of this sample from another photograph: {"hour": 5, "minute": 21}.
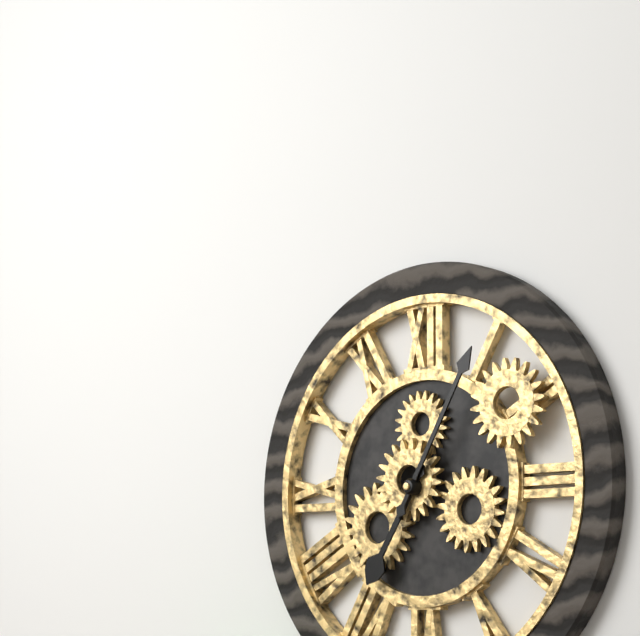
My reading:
{"hour": 7, "minute": 5}
